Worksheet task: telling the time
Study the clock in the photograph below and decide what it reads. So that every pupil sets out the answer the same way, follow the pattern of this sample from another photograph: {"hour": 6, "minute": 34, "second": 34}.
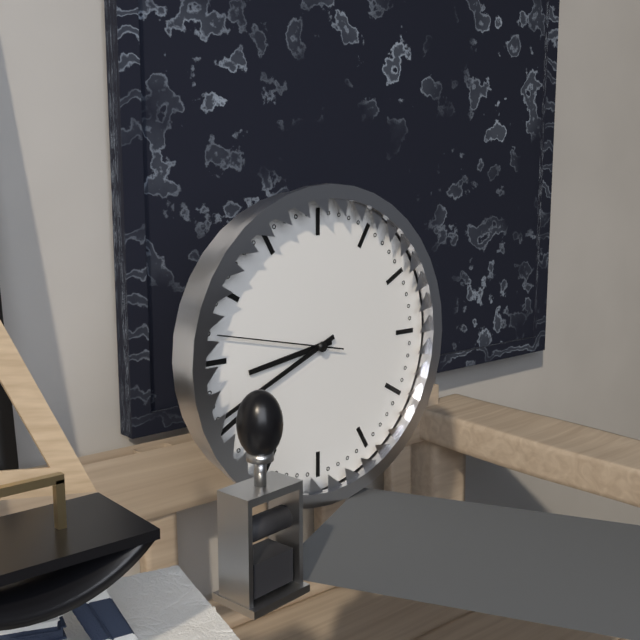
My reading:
{"hour": 8, "minute": 41, "second": 47}
